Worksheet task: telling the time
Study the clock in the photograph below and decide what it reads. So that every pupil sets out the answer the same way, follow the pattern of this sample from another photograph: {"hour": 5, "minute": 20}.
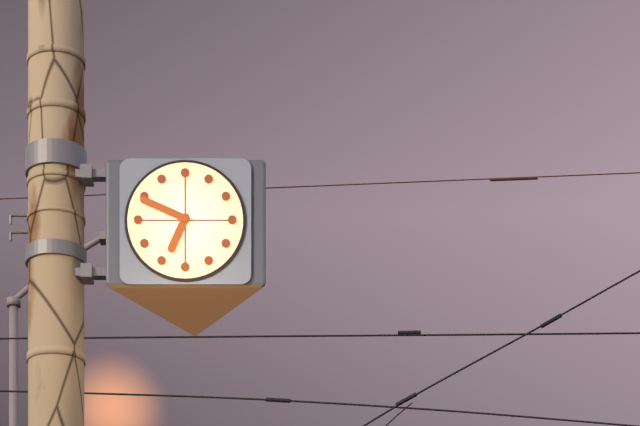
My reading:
{"hour": 6, "minute": 49}
